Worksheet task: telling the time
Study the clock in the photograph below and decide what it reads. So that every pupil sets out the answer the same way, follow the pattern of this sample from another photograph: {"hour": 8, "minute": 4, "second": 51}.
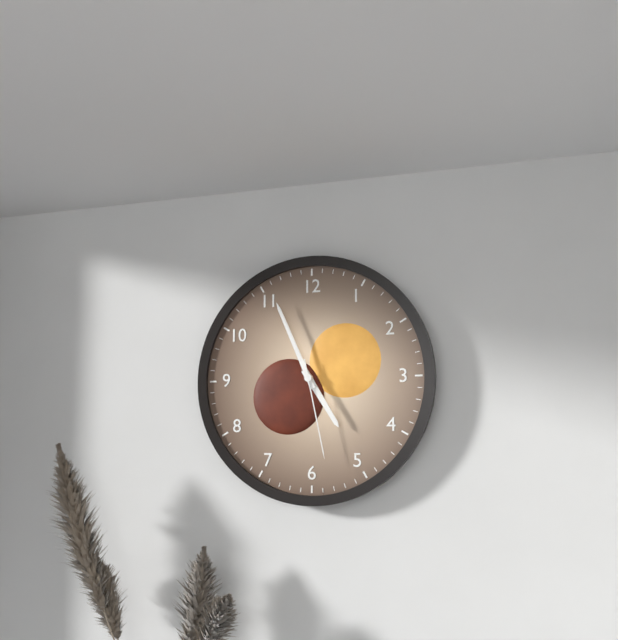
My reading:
{"hour": 4, "minute": 56, "second": 28}
